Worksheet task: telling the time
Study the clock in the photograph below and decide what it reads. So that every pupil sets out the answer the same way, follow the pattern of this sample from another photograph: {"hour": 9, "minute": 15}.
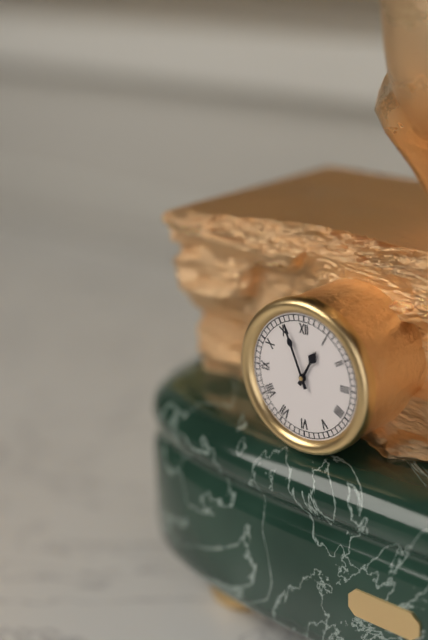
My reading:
{"hour": 12, "minute": 56}
